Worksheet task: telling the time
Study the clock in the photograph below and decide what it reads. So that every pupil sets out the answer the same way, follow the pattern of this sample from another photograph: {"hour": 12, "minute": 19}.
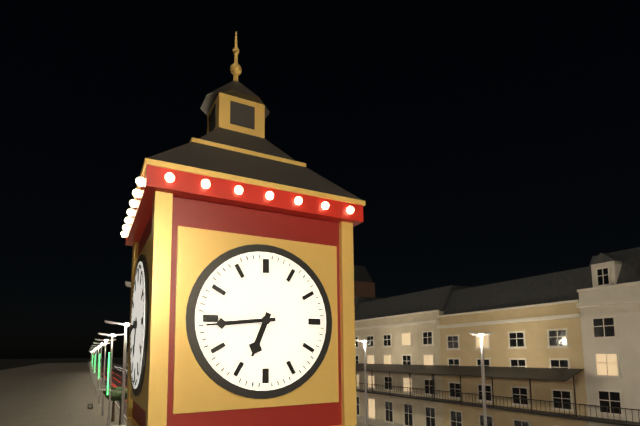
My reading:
{"hour": 6, "minute": 44}
